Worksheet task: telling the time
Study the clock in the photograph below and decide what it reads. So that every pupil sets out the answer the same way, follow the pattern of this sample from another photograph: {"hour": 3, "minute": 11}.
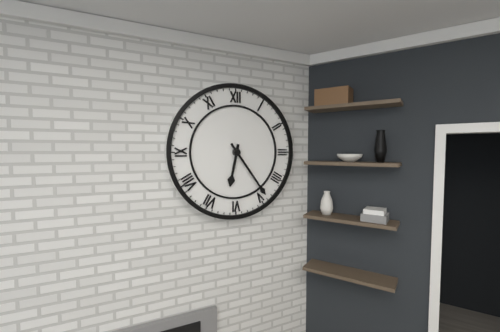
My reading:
{"hour": 6, "minute": 24}
